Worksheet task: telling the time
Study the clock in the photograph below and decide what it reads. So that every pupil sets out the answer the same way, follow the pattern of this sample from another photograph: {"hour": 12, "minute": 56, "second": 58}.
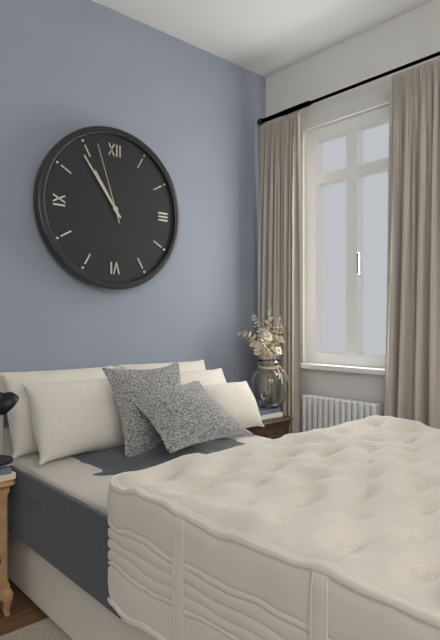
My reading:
{"hour": 10, "minute": 54, "second": 57}
